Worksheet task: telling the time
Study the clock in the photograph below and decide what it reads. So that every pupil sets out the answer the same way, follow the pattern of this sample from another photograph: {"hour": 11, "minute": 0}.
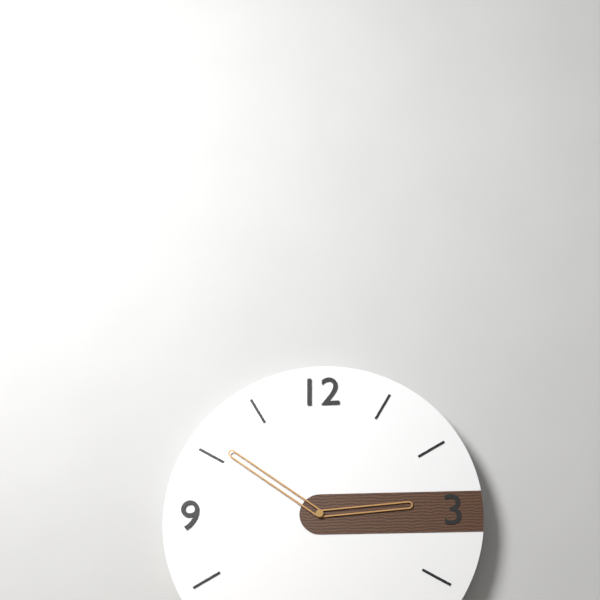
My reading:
{"hour": 2, "minute": 51}
